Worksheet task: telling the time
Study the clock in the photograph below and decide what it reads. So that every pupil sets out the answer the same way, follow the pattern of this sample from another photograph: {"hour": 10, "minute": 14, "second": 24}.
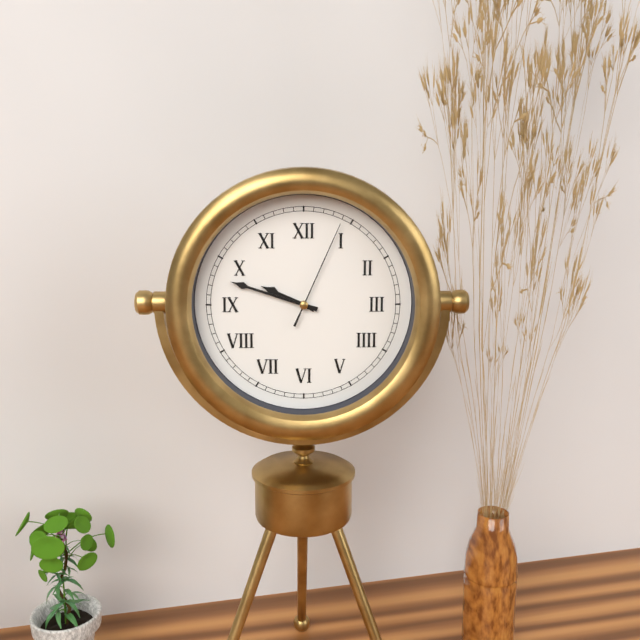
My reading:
{"hour": 9, "minute": 48, "second": 4}
